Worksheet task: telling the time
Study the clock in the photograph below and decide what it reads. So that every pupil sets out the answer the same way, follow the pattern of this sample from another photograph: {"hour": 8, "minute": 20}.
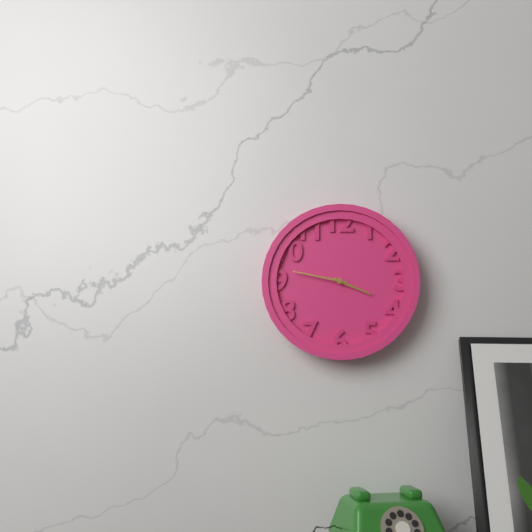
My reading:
{"hour": 3, "minute": 47}
